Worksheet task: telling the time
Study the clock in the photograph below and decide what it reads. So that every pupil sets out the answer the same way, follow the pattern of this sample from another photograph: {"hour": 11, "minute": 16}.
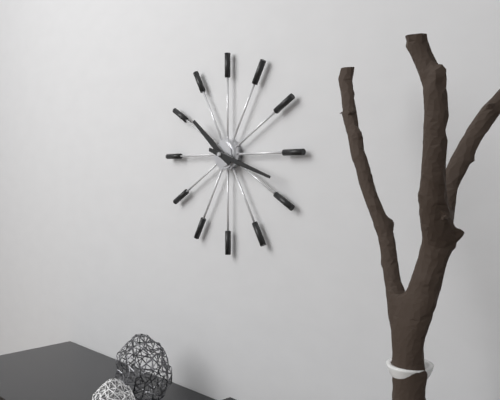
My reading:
{"hour": 10, "minute": 18}
